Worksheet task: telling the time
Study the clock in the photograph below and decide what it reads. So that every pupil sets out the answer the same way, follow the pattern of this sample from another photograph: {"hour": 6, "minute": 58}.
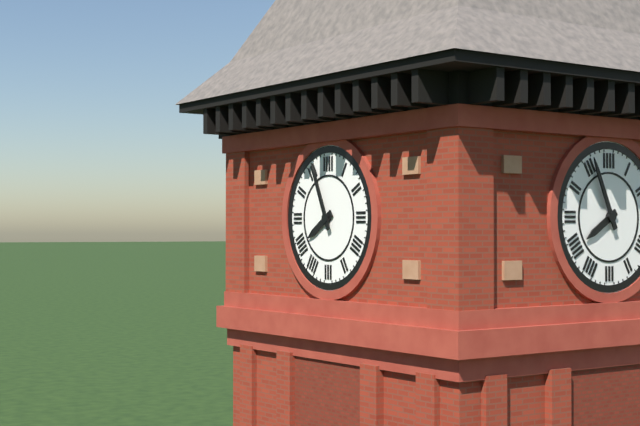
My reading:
{"hour": 7, "minute": 56}
